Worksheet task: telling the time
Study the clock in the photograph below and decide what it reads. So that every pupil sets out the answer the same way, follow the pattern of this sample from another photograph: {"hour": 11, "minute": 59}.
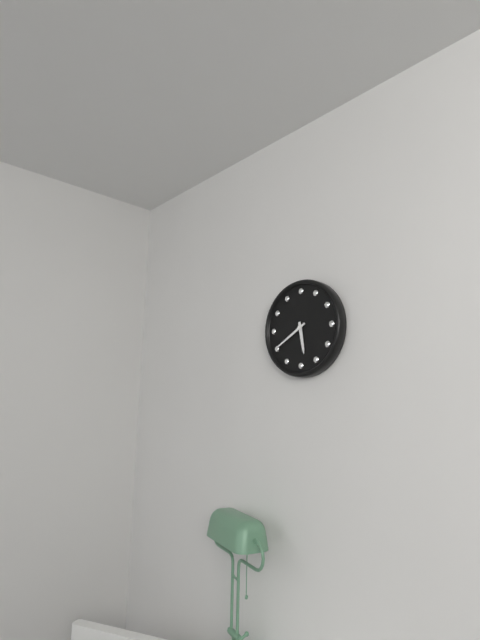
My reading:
{"hour": 5, "minute": 40}
